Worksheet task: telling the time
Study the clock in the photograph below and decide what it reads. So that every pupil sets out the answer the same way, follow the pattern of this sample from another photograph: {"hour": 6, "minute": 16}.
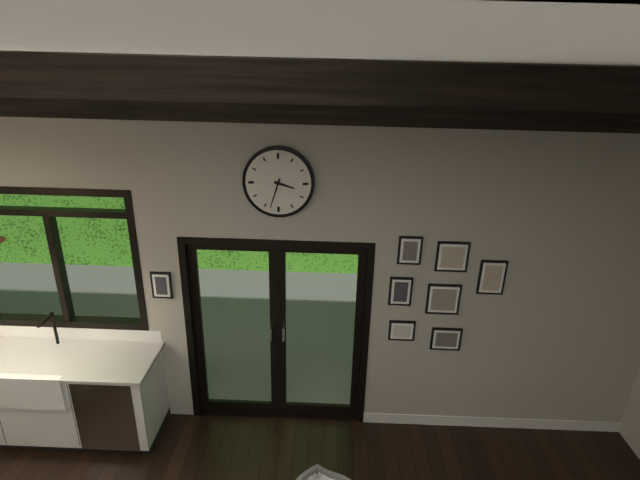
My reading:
{"hour": 3, "minute": 33}
